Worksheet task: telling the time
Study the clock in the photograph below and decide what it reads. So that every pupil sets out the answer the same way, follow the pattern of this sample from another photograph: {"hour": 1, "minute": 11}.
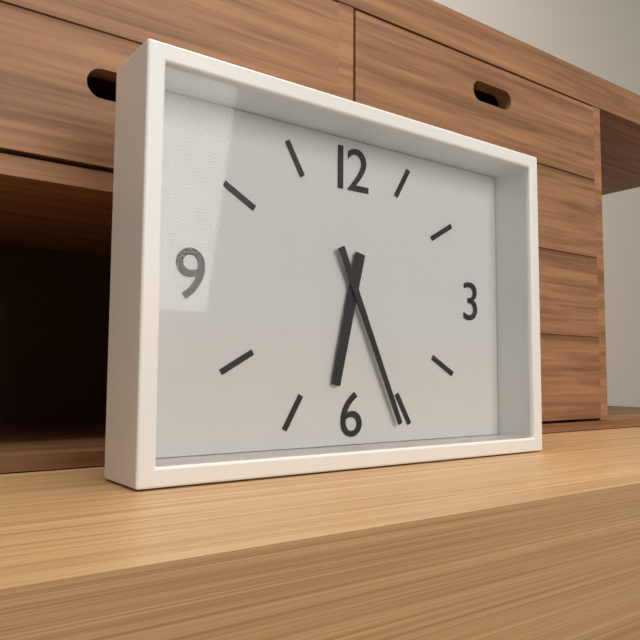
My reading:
{"hour": 6, "minute": 26}
